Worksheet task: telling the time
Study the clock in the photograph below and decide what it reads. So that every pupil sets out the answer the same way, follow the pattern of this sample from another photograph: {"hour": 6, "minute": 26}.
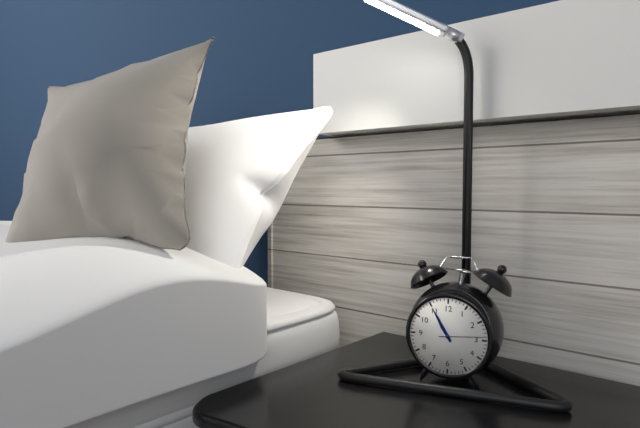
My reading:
{"hour": 10, "minute": 55}
